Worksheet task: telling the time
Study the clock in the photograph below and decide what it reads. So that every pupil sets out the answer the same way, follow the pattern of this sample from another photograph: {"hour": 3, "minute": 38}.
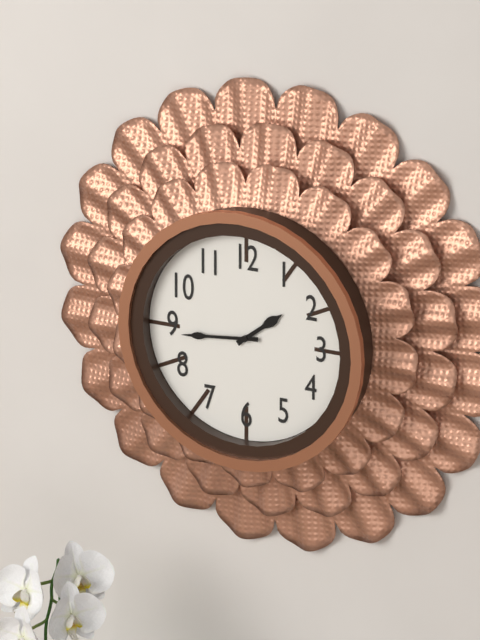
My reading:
{"hour": 1, "minute": 44}
